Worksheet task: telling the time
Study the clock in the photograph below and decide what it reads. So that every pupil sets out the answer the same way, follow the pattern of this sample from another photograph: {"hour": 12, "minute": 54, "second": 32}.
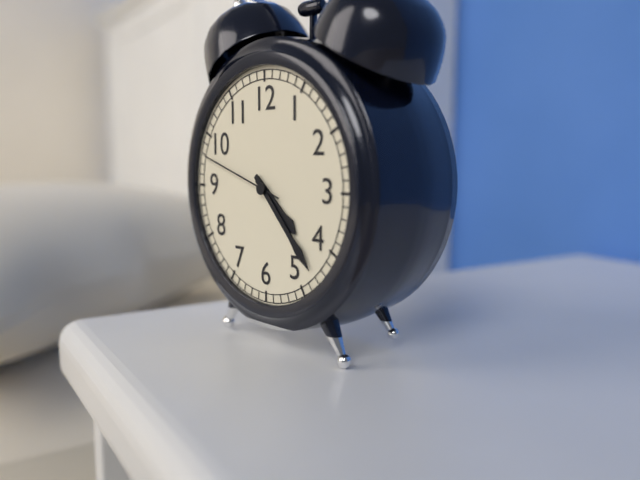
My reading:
{"hour": 4, "minute": 23, "second": 48}
